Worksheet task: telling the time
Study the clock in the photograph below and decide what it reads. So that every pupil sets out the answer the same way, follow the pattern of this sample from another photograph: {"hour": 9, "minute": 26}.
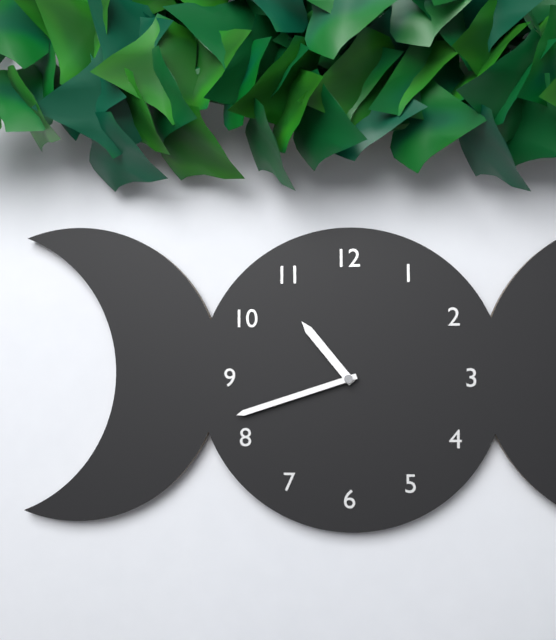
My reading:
{"hour": 10, "minute": 42}
